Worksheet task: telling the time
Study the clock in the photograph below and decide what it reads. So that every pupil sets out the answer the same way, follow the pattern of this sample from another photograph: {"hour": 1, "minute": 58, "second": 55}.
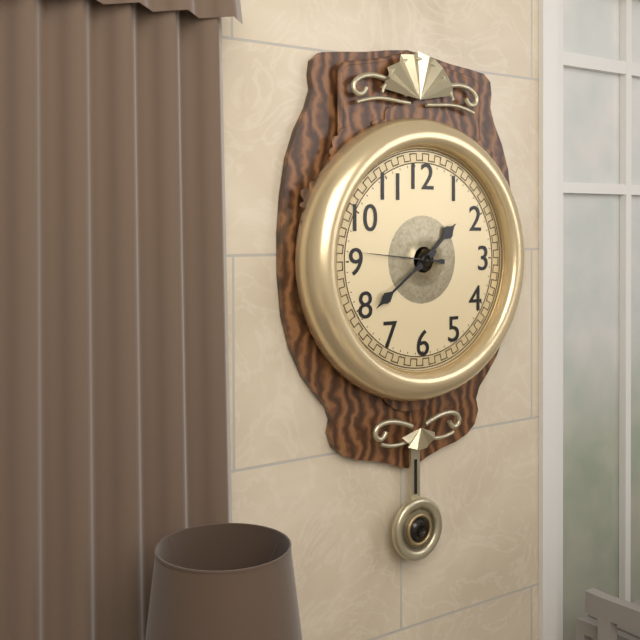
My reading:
{"hour": 1, "minute": 39, "second": 46}
